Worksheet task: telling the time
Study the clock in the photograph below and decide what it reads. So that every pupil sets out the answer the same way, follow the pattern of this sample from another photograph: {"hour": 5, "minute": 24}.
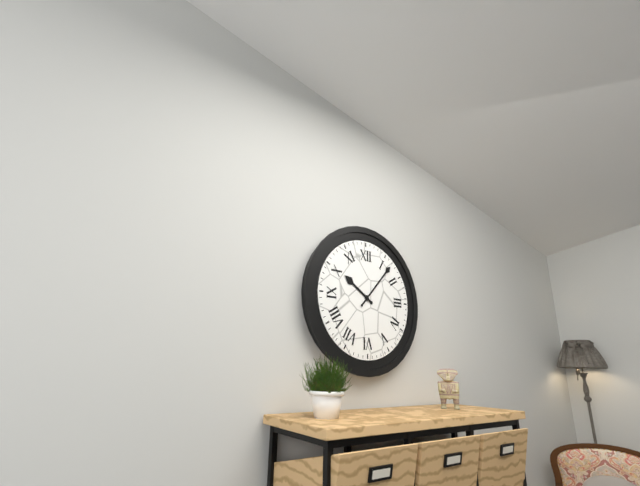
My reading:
{"hour": 10, "minute": 7}
